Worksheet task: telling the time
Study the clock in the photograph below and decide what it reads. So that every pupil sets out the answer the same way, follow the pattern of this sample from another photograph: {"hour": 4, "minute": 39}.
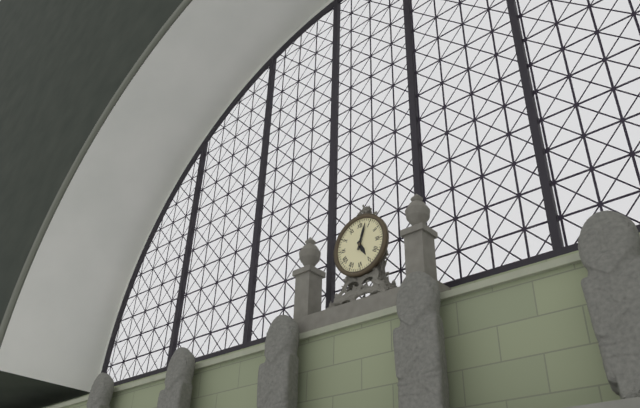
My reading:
{"hour": 5, "minute": 3}
